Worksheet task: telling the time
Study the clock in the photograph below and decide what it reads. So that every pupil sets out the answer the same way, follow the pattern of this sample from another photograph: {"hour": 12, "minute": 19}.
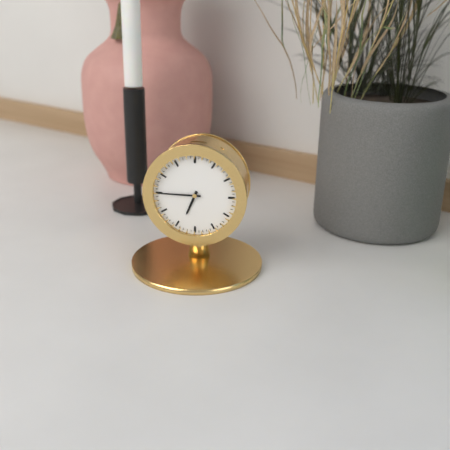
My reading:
{"hour": 6, "minute": 45}
